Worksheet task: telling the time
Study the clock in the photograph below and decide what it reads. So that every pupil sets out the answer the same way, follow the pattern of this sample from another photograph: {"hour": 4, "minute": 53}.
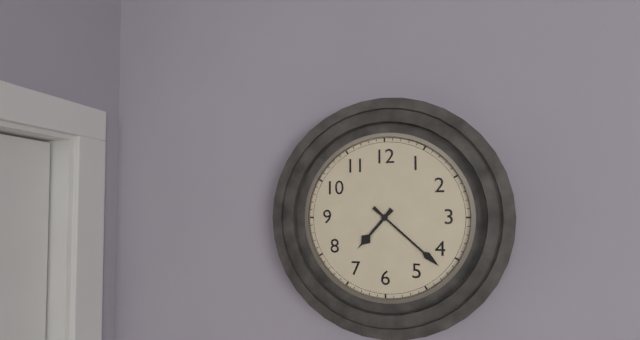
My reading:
{"hour": 7, "minute": 22}
